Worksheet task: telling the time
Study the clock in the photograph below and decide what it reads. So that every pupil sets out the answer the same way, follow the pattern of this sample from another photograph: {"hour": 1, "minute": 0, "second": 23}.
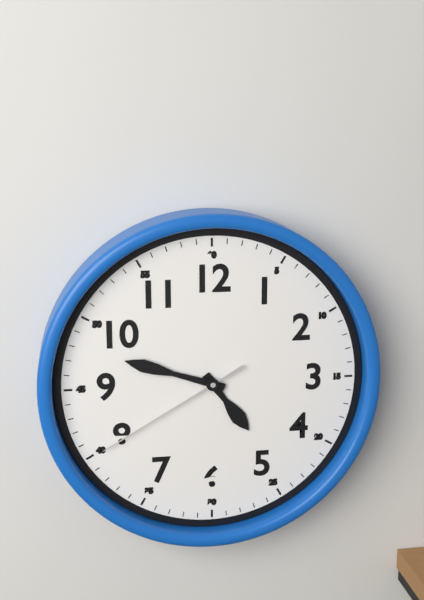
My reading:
{"hour": 4, "minute": 48, "second": 40}
